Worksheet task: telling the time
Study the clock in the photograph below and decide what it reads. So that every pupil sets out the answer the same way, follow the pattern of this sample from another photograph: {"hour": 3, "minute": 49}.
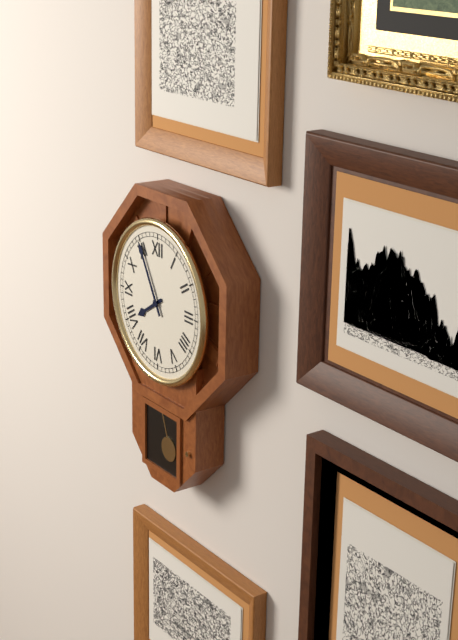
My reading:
{"hour": 7, "minute": 55}
